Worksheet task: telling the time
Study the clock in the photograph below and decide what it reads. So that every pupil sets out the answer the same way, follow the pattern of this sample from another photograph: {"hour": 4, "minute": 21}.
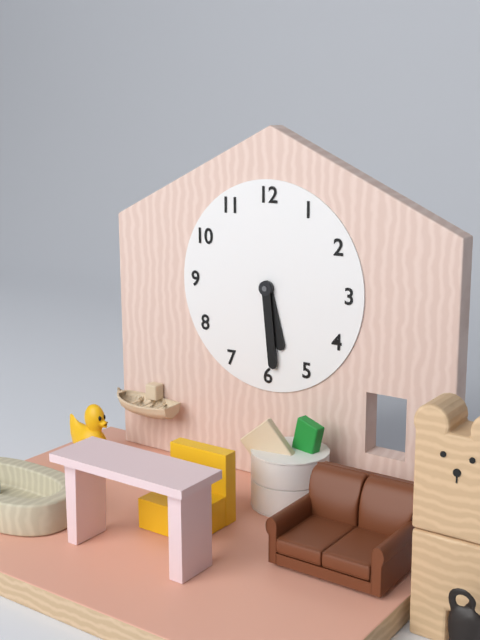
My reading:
{"hour": 5, "minute": 29}
